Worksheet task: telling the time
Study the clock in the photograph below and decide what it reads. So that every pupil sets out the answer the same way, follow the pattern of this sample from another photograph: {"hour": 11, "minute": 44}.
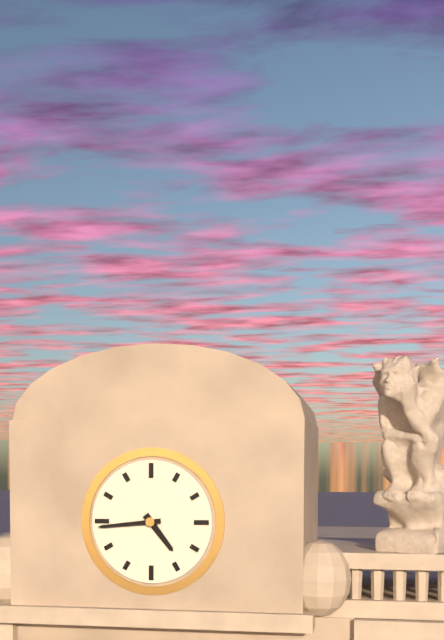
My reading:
{"hour": 4, "minute": 44}
